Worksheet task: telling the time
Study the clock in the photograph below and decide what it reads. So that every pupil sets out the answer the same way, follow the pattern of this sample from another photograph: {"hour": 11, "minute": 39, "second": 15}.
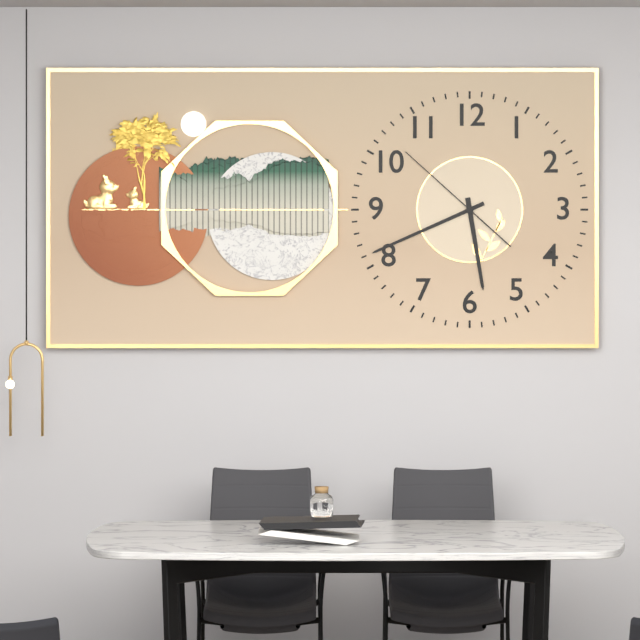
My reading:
{"hour": 5, "minute": 41, "second": 52}
